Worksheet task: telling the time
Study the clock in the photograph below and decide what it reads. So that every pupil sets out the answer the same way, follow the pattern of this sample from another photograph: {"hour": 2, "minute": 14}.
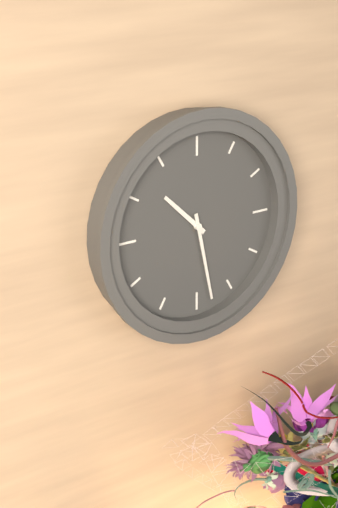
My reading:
{"hour": 10, "minute": 28}
